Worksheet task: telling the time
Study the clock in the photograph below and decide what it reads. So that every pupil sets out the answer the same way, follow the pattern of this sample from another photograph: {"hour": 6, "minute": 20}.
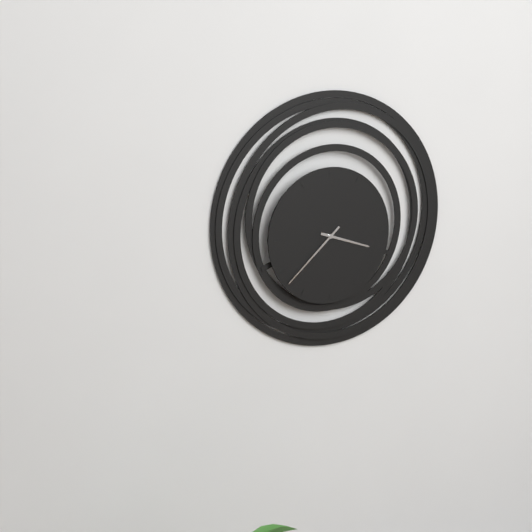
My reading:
{"hour": 3, "minute": 38}
